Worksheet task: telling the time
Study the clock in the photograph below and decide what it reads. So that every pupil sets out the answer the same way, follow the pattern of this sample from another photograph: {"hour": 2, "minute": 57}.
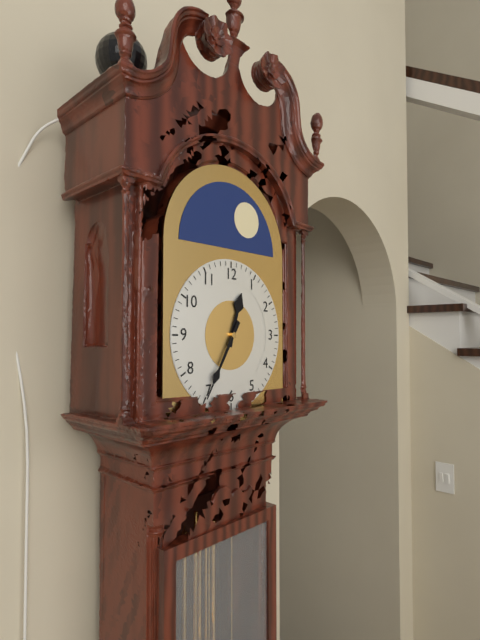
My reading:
{"hour": 12, "minute": 35}
